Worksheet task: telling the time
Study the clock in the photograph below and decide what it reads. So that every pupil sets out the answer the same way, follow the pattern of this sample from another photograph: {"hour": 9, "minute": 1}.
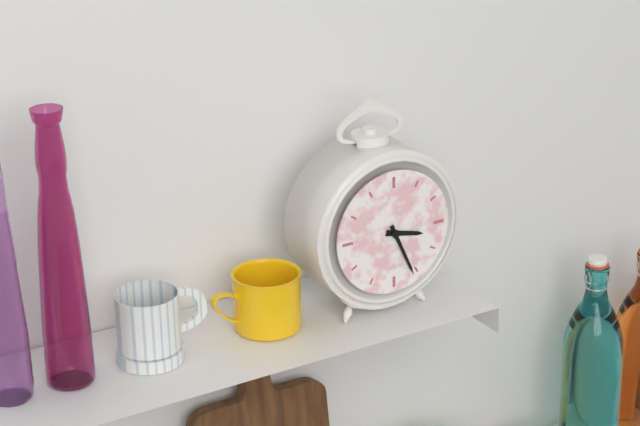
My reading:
{"hour": 3, "minute": 26}
